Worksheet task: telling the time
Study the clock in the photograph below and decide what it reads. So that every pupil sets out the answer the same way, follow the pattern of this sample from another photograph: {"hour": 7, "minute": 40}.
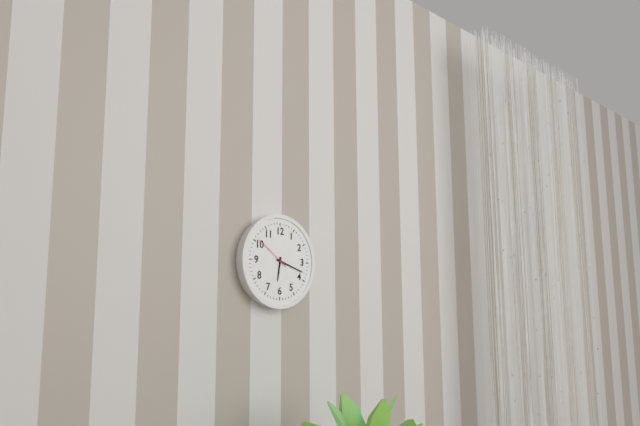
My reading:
{"hour": 6, "minute": 18}
